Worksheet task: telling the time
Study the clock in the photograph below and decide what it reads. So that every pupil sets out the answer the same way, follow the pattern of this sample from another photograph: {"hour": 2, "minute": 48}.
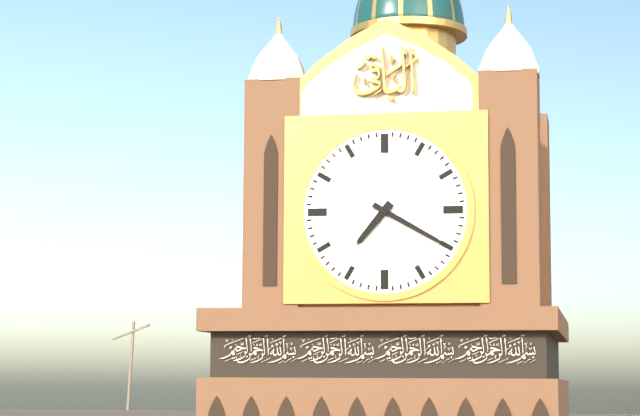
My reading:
{"hour": 7, "minute": 20}
